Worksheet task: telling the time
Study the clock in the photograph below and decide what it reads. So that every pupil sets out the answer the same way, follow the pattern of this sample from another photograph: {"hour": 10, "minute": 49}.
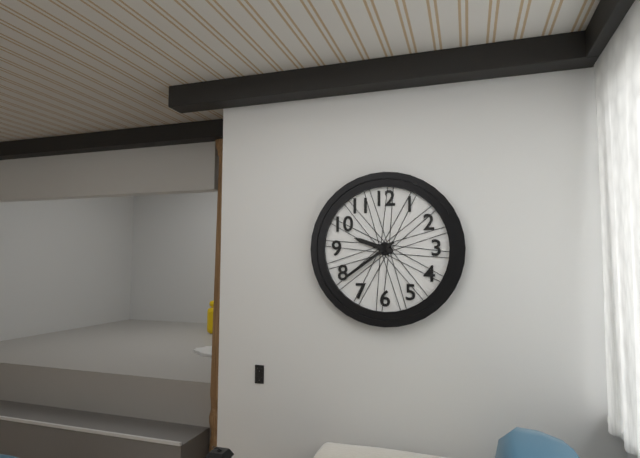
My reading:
{"hour": 9, "minute": 39}
